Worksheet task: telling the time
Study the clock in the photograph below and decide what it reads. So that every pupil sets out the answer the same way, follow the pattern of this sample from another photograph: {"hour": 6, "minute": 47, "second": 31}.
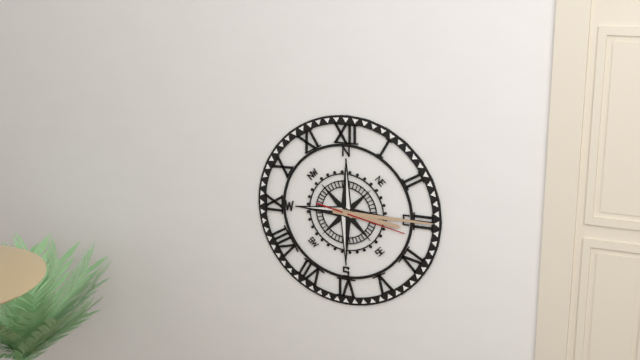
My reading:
{"hour": 3, "minute": 15, "second": 17}
